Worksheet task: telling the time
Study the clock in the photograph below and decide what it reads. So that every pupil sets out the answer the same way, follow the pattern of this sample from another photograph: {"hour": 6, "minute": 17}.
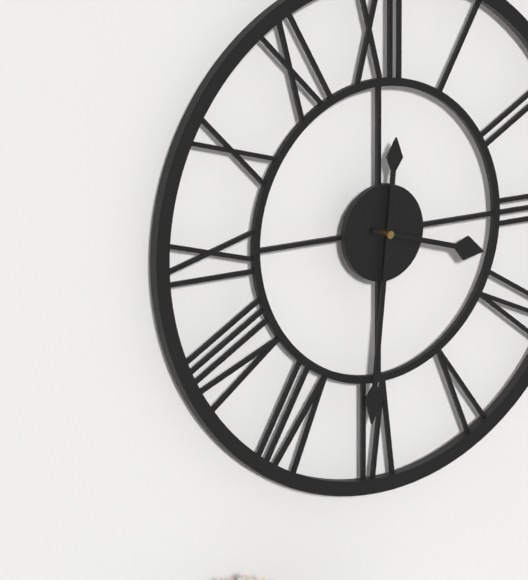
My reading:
{"hour": 3, "minute": 31}
